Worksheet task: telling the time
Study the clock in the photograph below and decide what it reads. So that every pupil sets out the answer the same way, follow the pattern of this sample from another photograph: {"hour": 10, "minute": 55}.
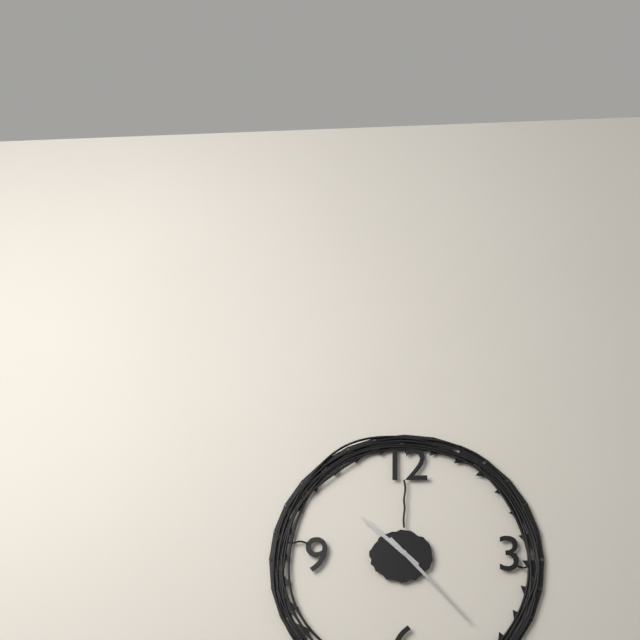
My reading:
{"hour": 10, "minute": 23}
